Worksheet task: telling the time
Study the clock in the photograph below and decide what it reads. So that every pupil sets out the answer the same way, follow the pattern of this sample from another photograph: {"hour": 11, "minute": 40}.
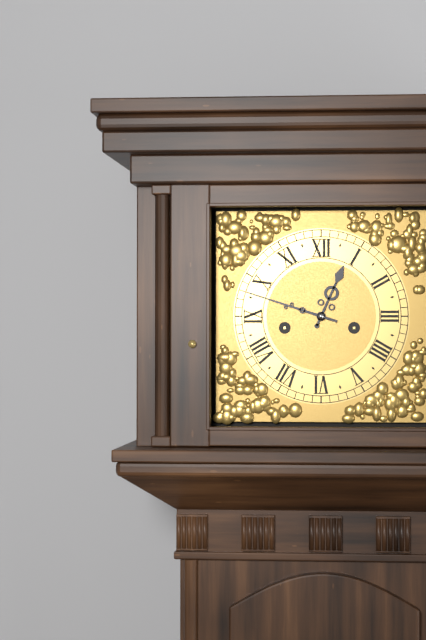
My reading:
{"hour": 12, "minute": 48}
